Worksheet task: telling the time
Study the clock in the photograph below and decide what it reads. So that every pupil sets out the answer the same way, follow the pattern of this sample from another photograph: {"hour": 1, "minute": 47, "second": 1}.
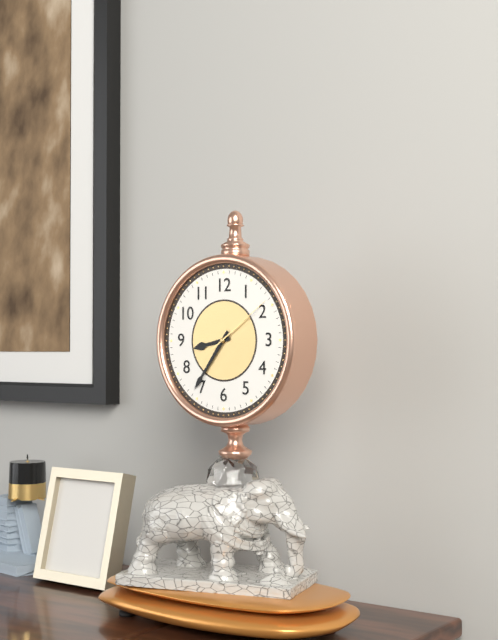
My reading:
{"hour": 8, "minute": 36, "second": 9}
